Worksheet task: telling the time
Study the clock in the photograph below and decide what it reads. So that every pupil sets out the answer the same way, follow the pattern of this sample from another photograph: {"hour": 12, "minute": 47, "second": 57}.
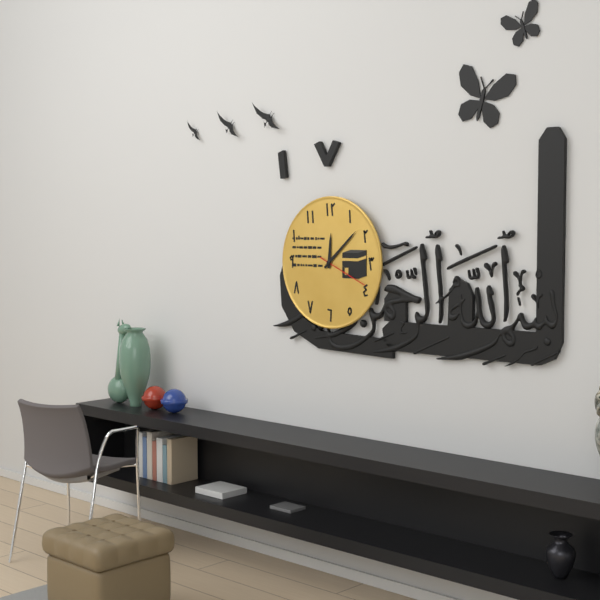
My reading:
{"hour": 12, "minute": 8, "second": 19}
